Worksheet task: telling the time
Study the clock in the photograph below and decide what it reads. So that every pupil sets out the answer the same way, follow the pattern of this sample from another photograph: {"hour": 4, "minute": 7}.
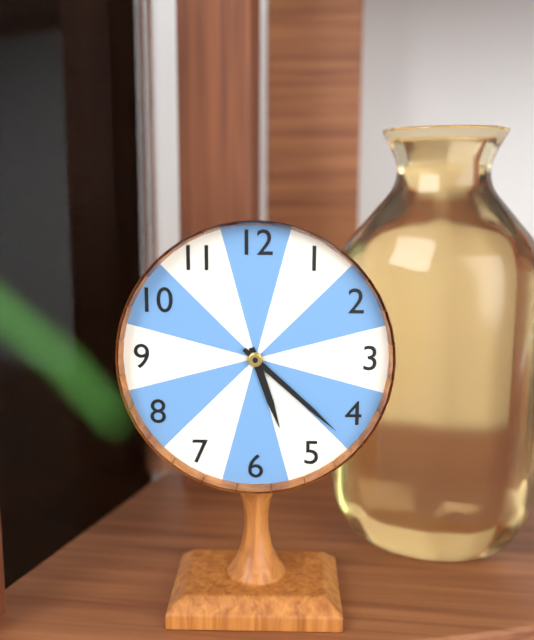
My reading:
{"hour": 5, "minute": 22}
